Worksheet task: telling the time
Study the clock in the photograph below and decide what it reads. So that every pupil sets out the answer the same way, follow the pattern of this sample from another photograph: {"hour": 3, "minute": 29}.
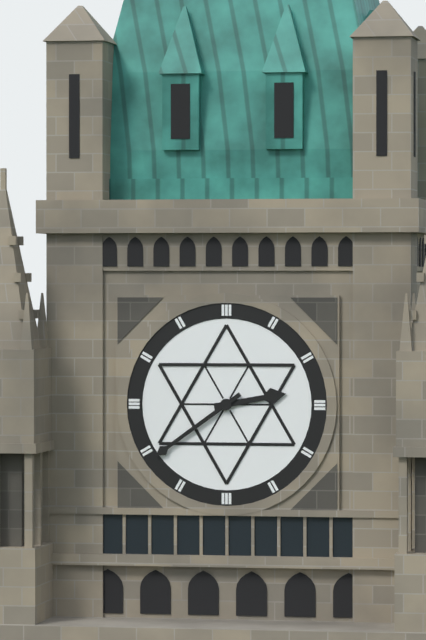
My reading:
{"hour": 2, "minute": 39}
